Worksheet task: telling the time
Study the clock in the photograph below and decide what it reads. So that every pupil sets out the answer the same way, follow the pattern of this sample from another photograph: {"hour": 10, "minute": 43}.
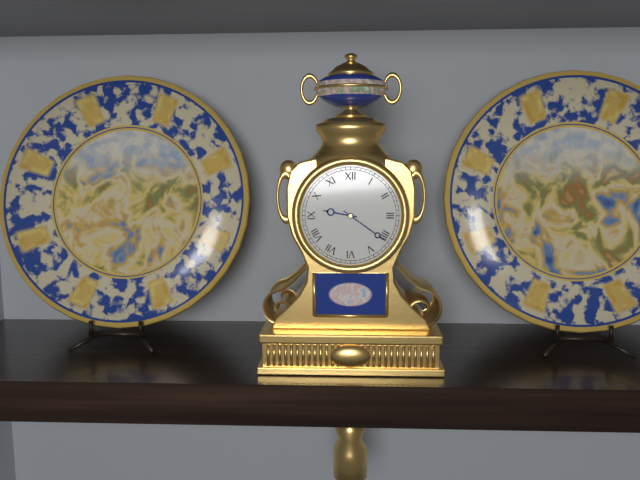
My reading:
{"hour": 9, "minute": 21}
